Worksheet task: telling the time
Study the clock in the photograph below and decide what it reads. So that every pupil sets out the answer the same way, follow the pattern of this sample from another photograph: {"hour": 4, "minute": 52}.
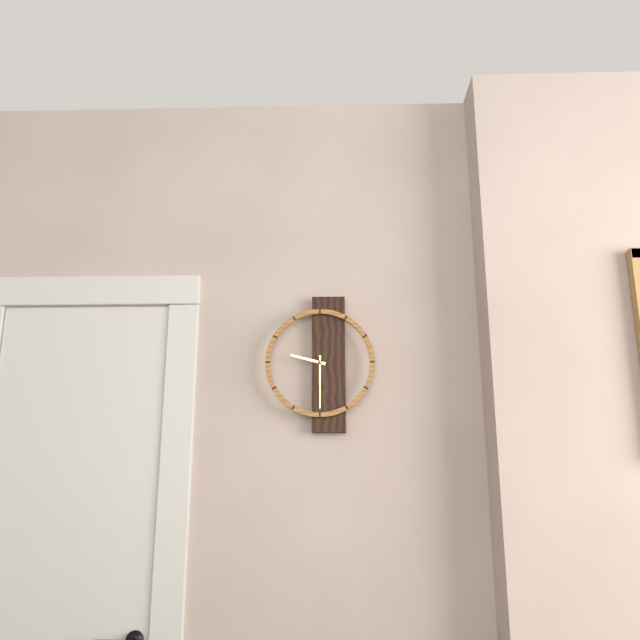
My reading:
{"hour": 9, "minute": 30}
